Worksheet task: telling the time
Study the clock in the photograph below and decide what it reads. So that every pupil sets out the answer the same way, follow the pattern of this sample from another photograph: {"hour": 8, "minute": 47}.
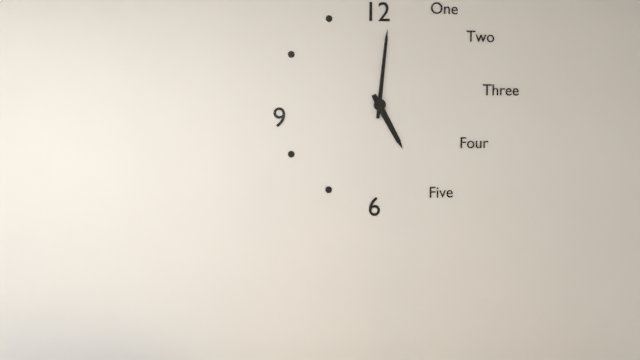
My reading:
{"hour": 5, "minute": 1}
